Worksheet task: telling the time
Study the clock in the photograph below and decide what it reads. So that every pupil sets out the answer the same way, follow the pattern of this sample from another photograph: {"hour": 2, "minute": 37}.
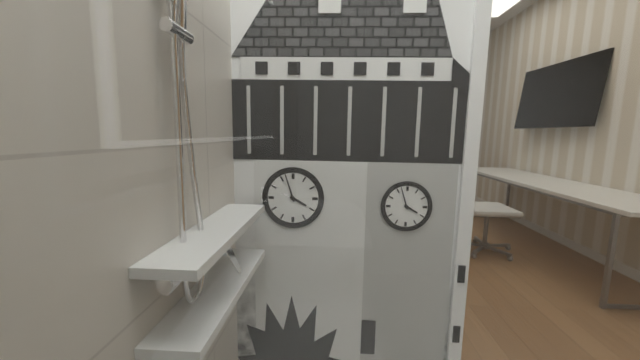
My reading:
{"hour": 3, "minute": 57}
